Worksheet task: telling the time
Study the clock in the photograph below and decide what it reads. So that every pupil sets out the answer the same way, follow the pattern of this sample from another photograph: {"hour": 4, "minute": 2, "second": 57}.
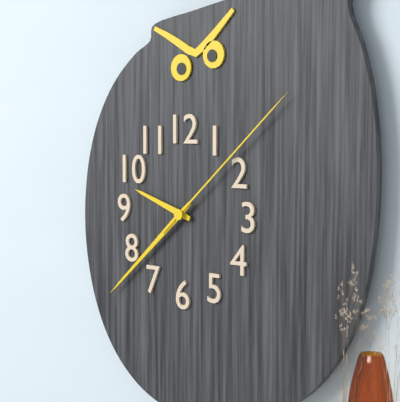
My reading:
{"hour": 9, "minute": 38, "second": 8}
